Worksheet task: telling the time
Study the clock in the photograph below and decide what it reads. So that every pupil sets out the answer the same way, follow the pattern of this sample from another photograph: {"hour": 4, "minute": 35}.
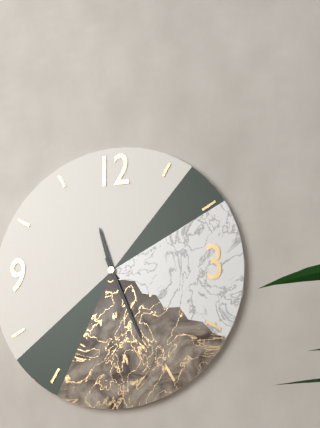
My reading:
{"hour": 11, "minute": 26}
